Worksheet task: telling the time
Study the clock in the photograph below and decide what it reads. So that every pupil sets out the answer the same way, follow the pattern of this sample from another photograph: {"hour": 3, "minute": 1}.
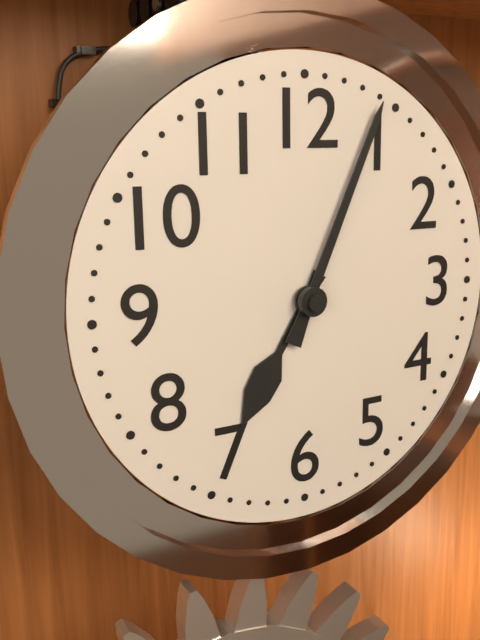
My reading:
{"hour": 7, "minute": 4}
